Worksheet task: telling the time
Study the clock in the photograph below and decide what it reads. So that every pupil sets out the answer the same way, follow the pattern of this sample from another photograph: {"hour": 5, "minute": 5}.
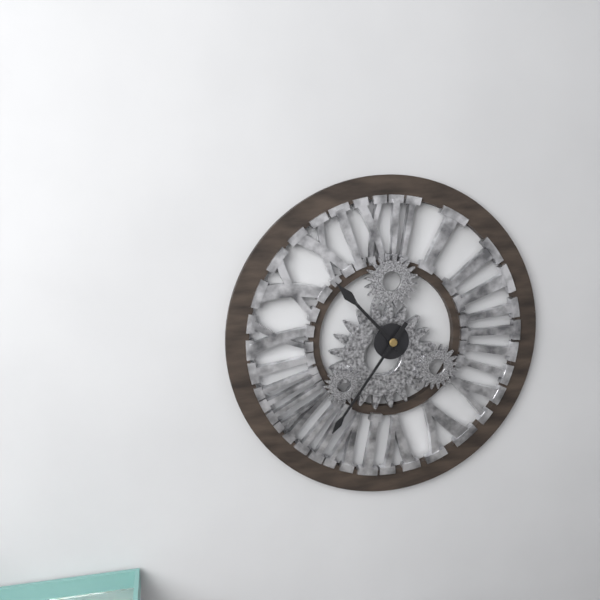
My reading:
{"hour": 10, "minute": 36}
